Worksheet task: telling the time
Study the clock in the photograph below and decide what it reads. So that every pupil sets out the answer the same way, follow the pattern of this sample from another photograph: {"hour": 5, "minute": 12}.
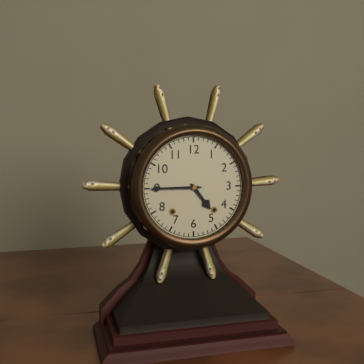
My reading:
{"hour": 4, "minute": 45}
